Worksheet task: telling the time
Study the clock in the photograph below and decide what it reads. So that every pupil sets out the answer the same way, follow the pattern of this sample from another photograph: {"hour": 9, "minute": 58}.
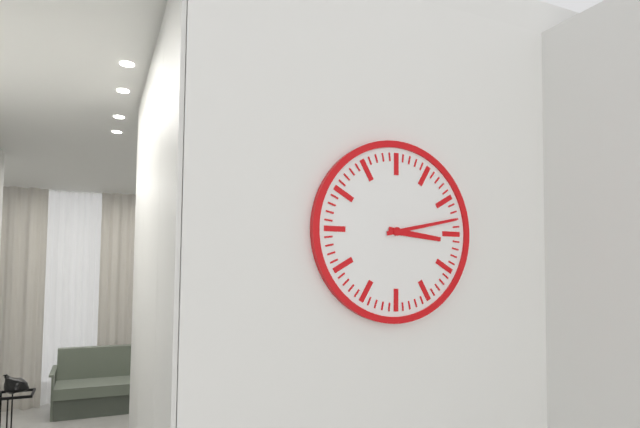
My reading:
{"hour": 3, "minute": 13}
